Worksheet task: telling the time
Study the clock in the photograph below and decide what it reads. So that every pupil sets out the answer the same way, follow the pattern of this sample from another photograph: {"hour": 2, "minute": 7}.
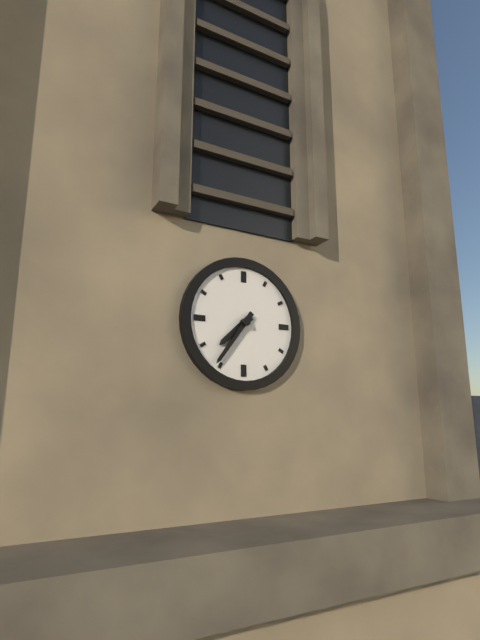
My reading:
{"hour": 7, "minute": 36}
